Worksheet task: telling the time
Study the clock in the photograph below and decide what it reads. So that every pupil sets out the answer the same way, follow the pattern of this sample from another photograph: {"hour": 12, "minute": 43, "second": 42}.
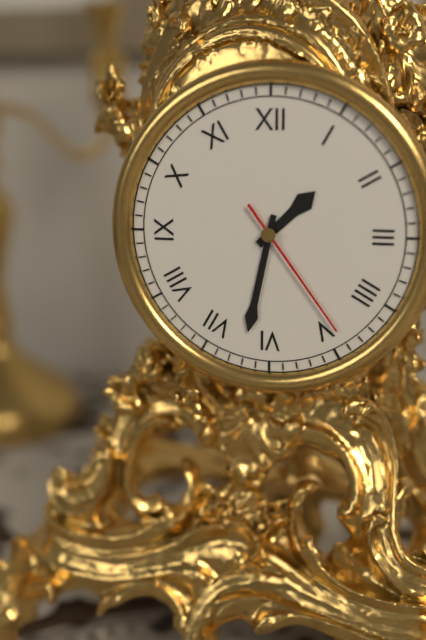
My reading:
{"hour": 1, "minute": 32, "second": 24}
